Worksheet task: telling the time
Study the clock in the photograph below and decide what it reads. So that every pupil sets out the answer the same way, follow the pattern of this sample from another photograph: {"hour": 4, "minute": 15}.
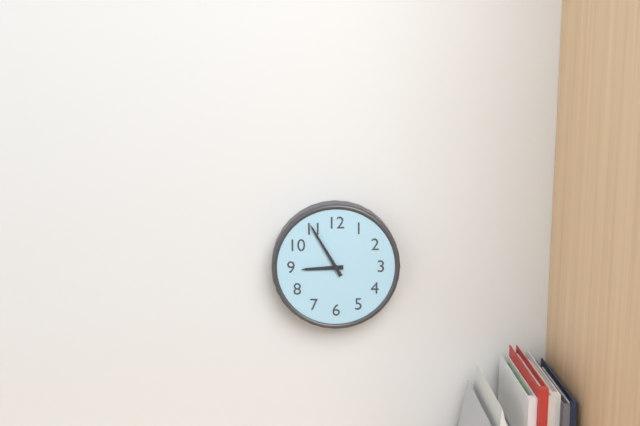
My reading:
{"hour": 8, "minute": 55}
